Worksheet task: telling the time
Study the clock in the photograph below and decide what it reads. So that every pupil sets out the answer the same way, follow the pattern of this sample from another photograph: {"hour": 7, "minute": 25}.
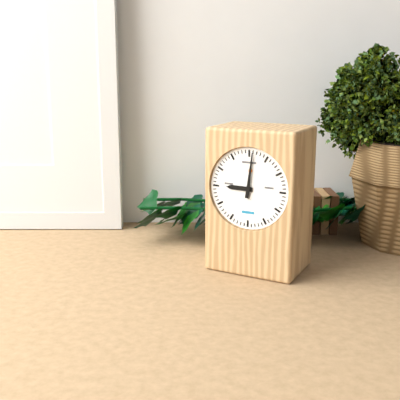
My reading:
{"hour": 9, "minute": 1}
